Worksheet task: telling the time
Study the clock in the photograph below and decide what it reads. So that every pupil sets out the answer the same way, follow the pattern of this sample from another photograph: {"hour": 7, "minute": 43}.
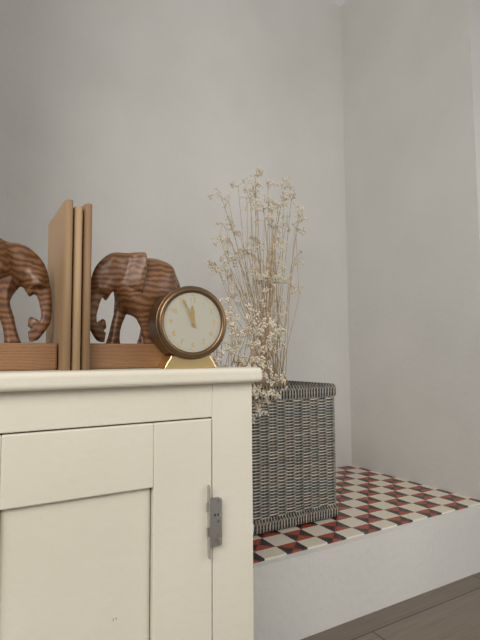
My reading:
{"hour": 11, "minute": 56}
